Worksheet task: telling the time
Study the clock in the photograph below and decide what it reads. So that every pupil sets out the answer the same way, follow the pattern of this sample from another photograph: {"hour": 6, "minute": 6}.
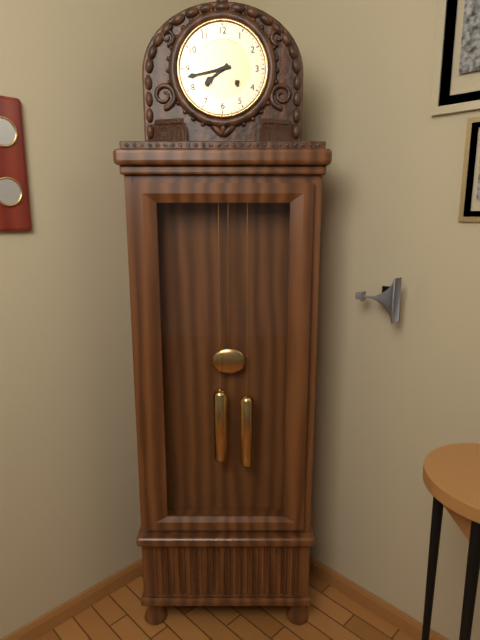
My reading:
{"hour": 7, "minute": 43}
